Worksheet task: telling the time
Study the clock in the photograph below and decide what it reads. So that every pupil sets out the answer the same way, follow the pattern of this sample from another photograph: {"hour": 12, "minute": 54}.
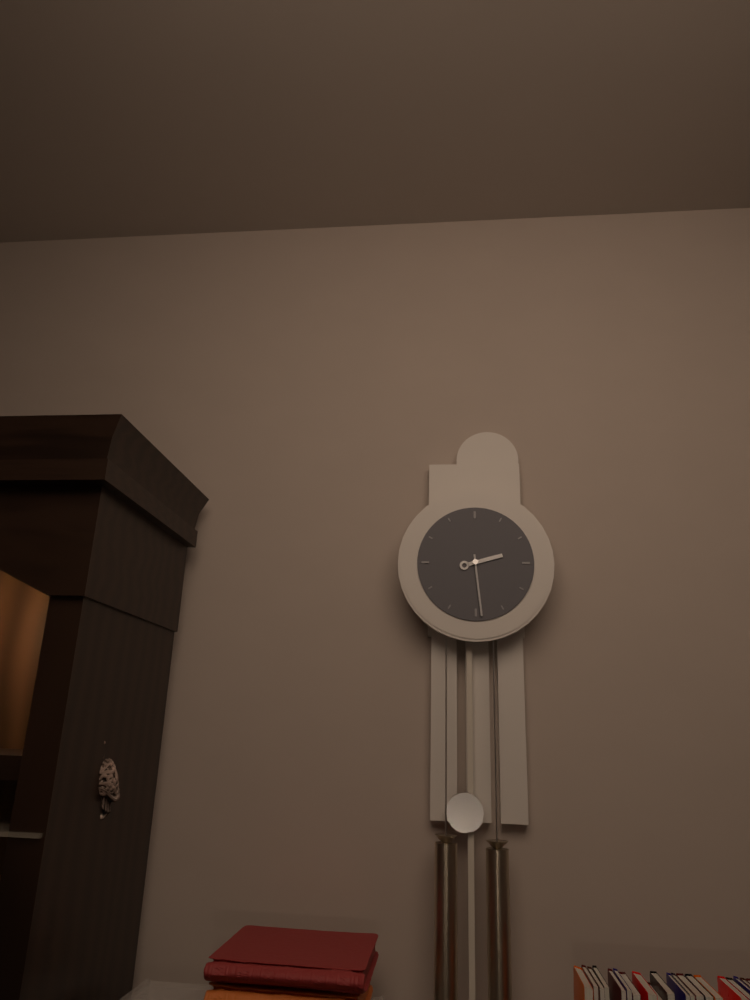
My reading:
{"hour": 2, "minute": 29}
